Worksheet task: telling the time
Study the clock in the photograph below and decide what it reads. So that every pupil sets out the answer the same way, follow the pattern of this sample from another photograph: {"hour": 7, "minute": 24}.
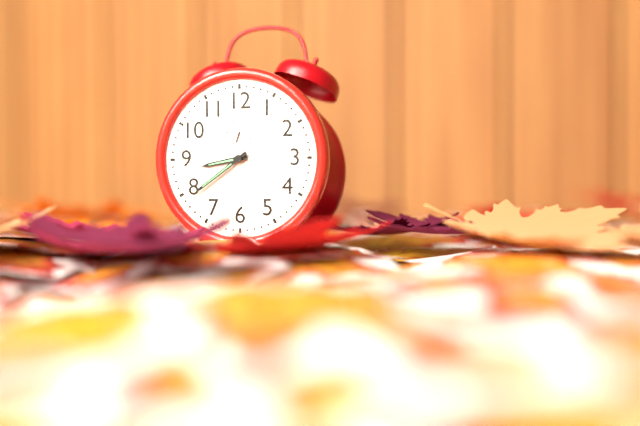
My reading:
{"hour": 8, "minute": 39}
